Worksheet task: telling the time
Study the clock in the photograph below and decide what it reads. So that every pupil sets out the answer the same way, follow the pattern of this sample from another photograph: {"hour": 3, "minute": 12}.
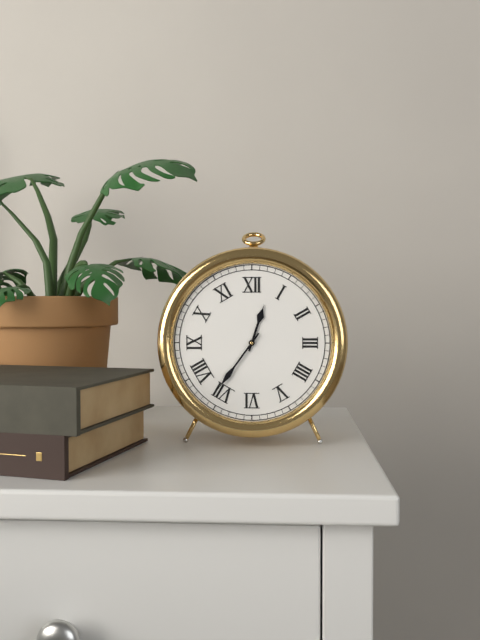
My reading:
{"hour": 12, "minute": 36}
